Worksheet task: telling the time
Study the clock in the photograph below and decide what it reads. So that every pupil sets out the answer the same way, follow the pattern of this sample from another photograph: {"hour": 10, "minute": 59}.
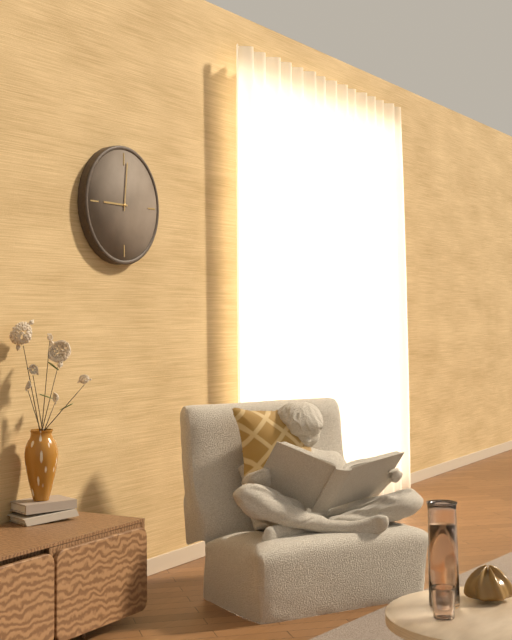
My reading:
{"hour": 9, "minute": 1}
